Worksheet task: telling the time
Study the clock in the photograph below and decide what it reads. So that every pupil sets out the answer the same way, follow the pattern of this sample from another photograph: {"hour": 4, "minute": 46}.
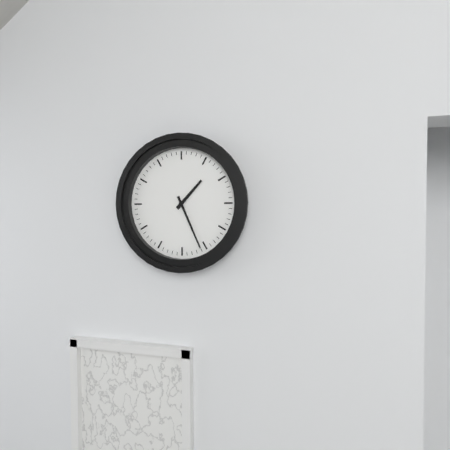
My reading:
{"hour": 1, "minute": 26}
